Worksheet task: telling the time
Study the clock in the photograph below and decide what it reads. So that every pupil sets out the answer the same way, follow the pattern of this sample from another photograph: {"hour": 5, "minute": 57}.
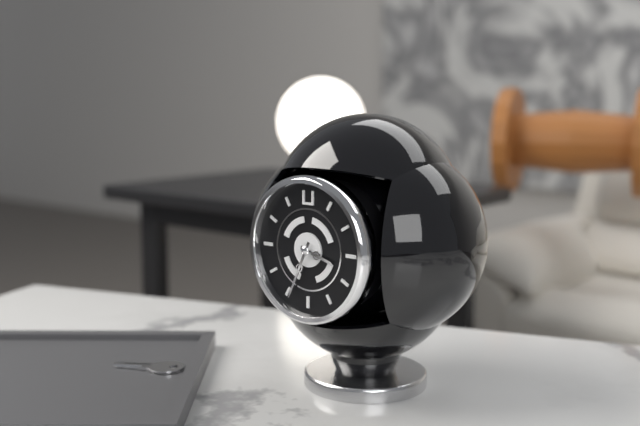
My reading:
{"hour": 3, "minute": 34}
